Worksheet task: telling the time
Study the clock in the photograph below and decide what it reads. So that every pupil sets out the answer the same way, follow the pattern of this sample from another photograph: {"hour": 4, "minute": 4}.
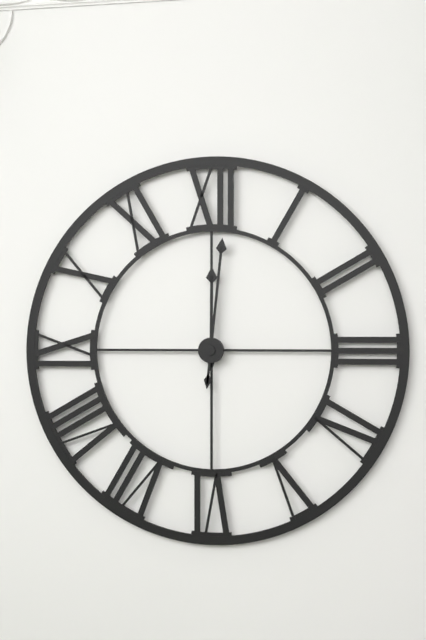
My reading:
{"hour": 12, "minute": 1}
